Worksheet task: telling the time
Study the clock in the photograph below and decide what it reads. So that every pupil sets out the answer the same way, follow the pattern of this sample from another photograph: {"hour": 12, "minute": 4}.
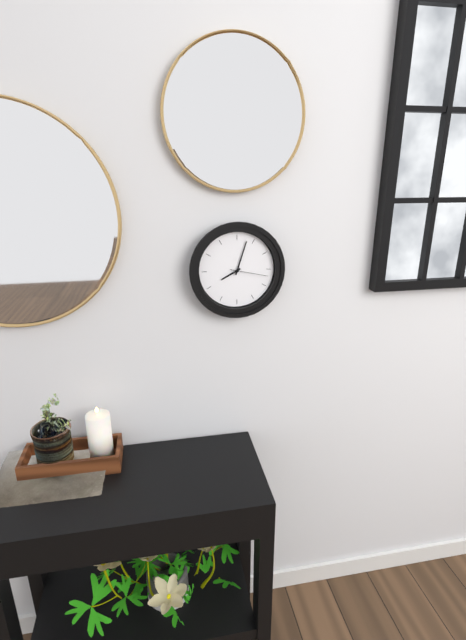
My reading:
{"hour": 8, "minute": 3}
